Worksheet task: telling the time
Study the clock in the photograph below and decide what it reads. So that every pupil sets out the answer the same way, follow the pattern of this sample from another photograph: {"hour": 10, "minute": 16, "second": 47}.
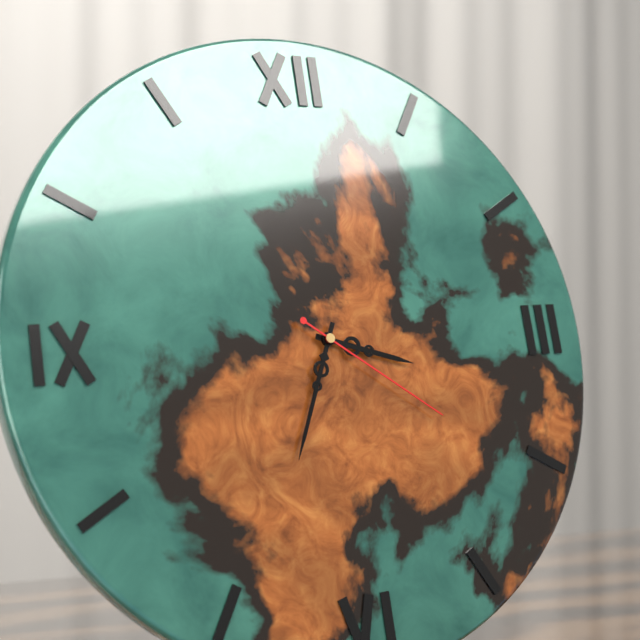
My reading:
{"hour": 3, "minute": 34, "second": 21}
